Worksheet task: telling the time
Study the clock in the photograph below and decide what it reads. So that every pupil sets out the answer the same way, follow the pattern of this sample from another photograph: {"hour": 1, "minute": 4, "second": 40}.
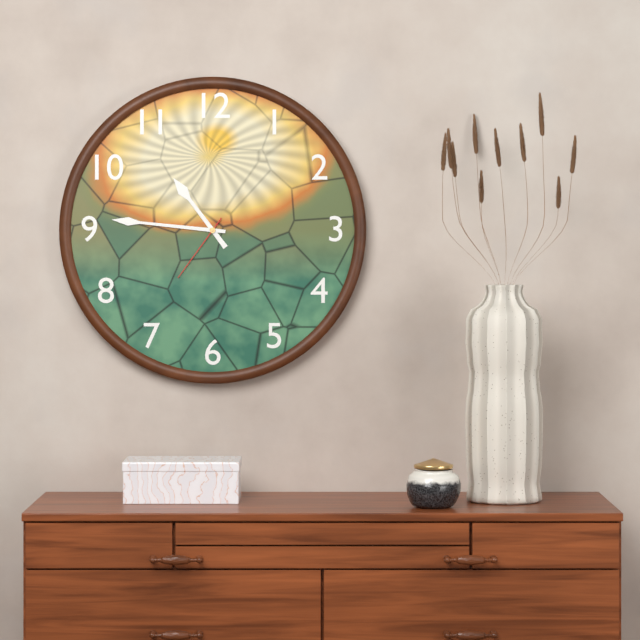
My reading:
{"hour": 10, "minute": 46, "second": 36}
